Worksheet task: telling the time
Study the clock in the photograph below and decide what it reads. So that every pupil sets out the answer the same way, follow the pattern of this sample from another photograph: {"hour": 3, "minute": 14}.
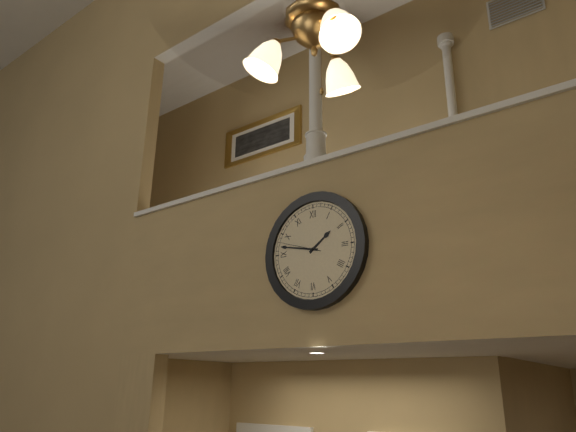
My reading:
{"hour": 1, "minute": 47}
